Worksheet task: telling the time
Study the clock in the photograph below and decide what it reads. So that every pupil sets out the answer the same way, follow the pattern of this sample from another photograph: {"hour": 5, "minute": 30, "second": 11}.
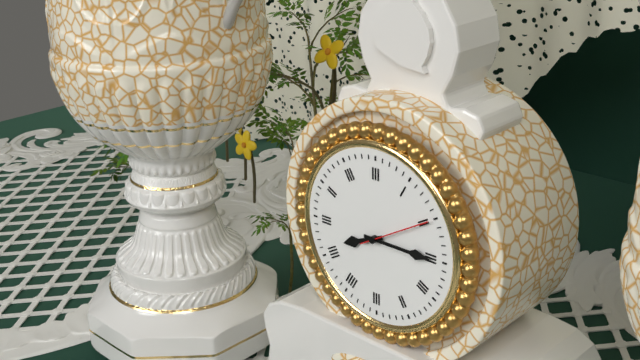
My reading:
{"hour": 8, "minute": 15, "second": 10}
